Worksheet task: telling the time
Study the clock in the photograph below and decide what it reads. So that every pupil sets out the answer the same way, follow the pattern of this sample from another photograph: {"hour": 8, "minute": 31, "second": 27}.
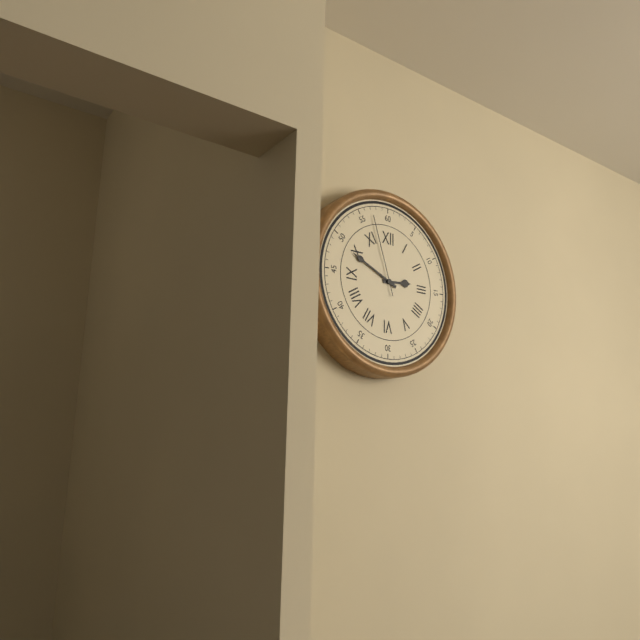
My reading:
{"hour": 2, "minute": 49, "second": 57}
